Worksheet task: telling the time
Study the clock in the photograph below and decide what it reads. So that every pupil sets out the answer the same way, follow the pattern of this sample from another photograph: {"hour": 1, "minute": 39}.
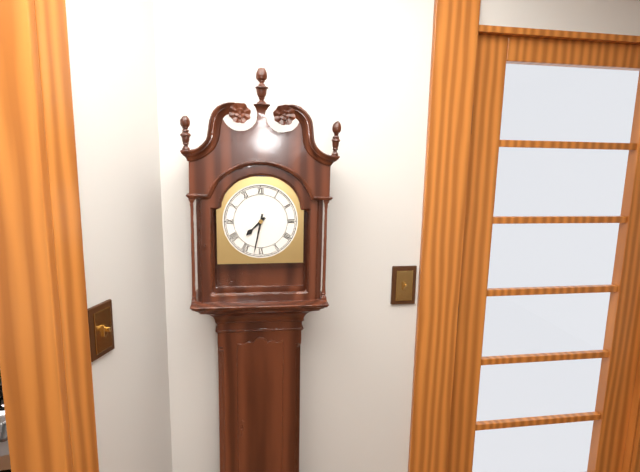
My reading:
{"hour": 7, "minute": 32}
